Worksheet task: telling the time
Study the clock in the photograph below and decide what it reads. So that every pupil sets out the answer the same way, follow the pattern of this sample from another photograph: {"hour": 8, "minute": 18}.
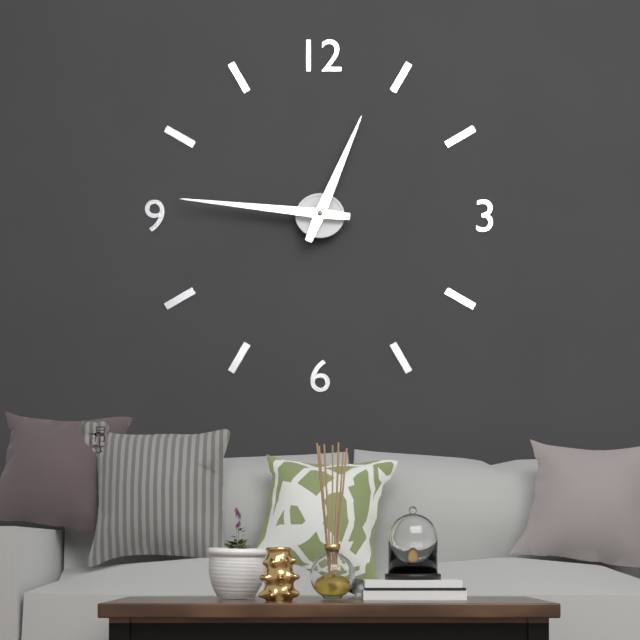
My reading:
{"hour": 12, "minute": 46}
